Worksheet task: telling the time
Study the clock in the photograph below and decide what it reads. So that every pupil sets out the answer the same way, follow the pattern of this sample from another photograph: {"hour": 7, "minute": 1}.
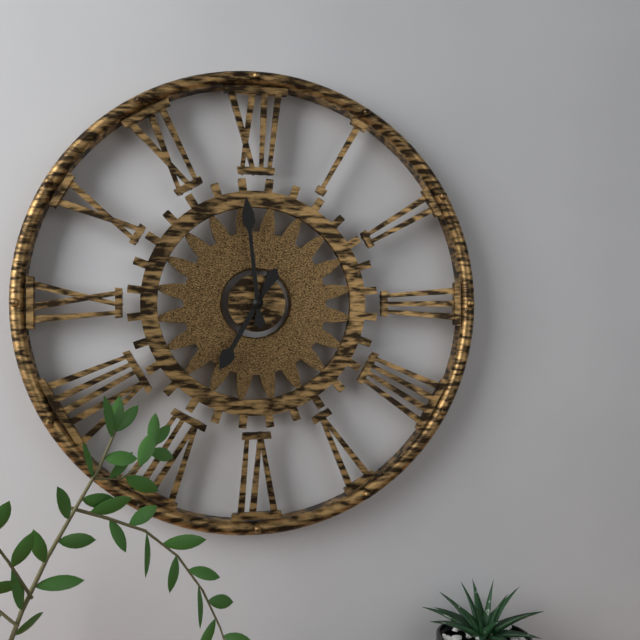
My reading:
{"hour": 6, "minute": 59}
